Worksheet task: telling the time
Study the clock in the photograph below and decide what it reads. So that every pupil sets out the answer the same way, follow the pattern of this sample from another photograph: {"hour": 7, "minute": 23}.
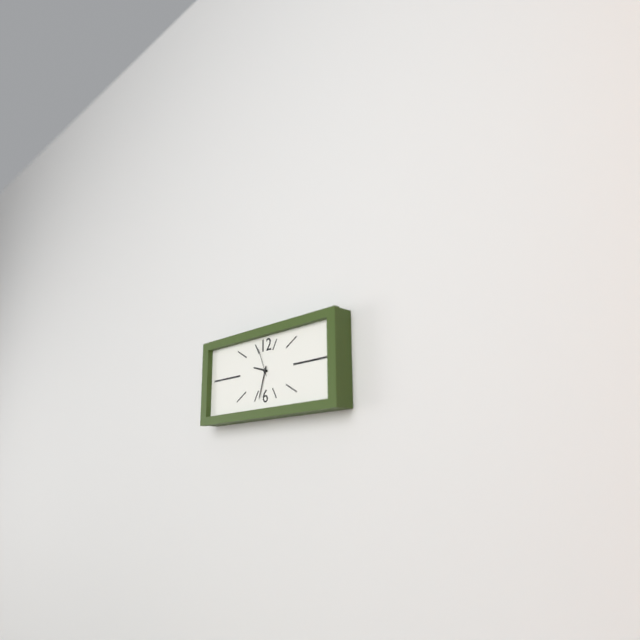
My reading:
{"hour": 9, "minute": 33}
